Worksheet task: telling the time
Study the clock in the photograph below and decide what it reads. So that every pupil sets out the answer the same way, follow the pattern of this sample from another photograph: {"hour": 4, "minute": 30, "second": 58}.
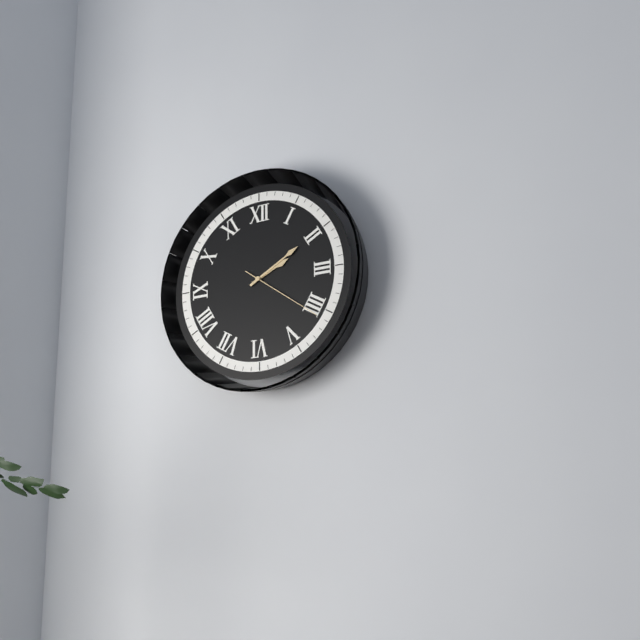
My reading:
{"hour": 2, "minute": 10, "second": 21}
